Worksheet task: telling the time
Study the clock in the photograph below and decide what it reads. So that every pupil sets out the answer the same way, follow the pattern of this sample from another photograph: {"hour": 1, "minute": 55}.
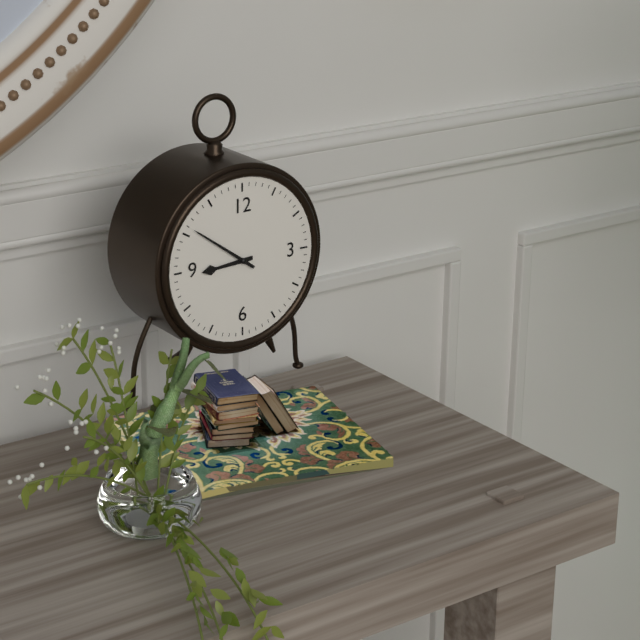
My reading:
{"hour": 8, "minute": 51}
